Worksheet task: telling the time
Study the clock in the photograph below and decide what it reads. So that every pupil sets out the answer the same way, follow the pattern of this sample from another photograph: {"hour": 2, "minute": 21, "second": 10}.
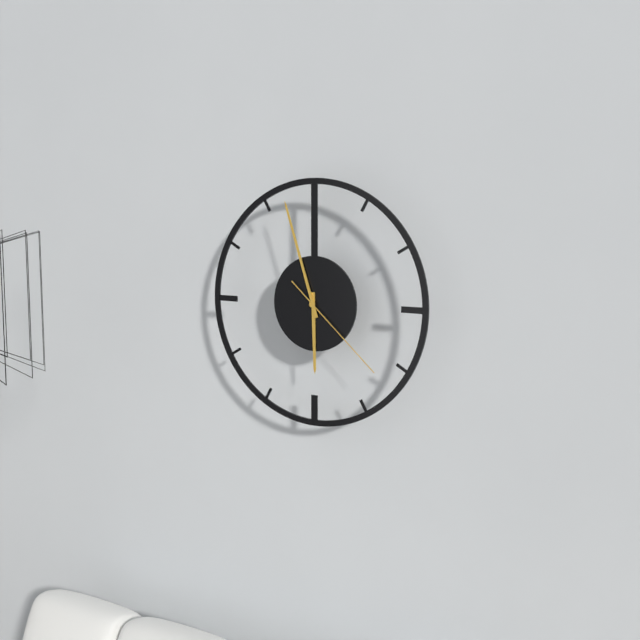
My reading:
{"hour": 5, "minute": 57, "second": 22}
